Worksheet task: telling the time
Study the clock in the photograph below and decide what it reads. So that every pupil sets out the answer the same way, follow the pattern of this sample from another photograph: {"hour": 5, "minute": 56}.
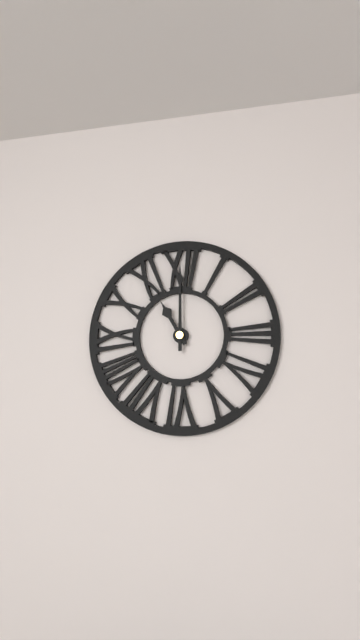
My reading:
{"hour": 11, "minute": 0}
